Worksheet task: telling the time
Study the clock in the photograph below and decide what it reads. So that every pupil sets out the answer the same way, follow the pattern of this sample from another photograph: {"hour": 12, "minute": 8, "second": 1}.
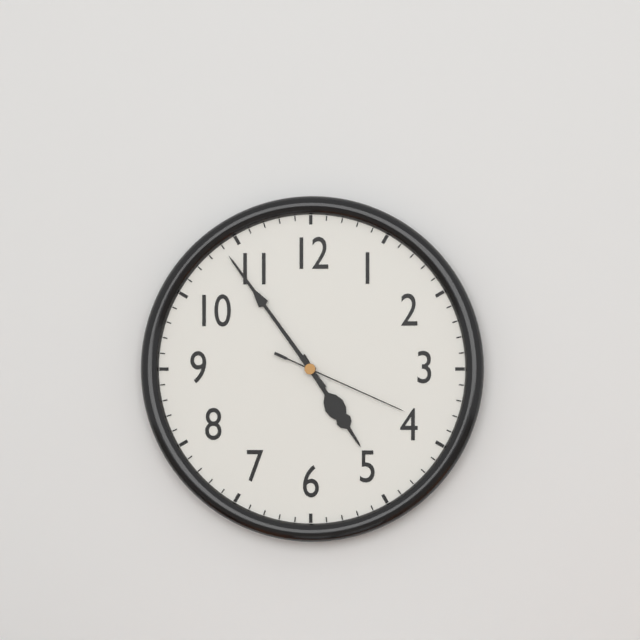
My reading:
{"hour": 4, "minute": 54, "second": 19}
